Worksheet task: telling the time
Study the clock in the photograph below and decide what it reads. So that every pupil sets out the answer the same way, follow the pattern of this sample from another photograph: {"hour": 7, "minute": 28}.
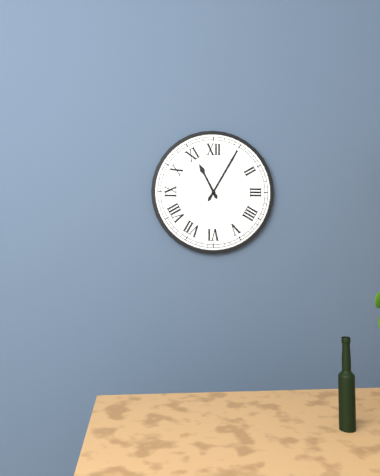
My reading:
{"hour": 11, "minute": 5}
